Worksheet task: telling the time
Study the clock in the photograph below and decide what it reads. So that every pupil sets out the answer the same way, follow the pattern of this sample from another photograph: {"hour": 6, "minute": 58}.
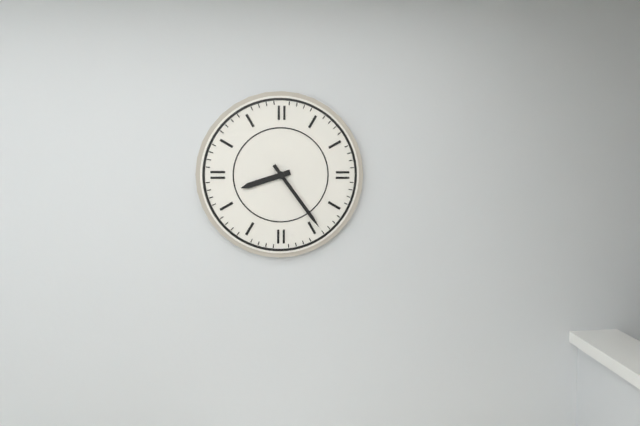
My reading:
{"hour": 8, "minute": 24}
